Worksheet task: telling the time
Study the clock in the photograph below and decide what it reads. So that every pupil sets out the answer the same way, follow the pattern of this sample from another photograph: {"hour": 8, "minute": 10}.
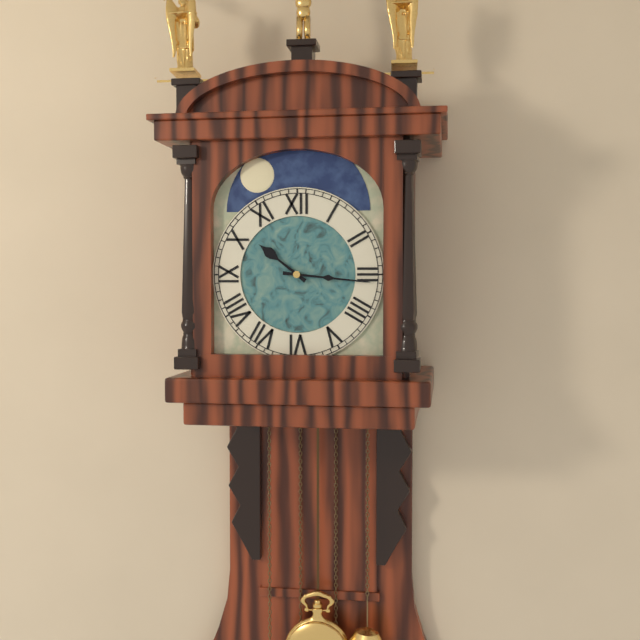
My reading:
{"hour": 10, "minute": 16}
